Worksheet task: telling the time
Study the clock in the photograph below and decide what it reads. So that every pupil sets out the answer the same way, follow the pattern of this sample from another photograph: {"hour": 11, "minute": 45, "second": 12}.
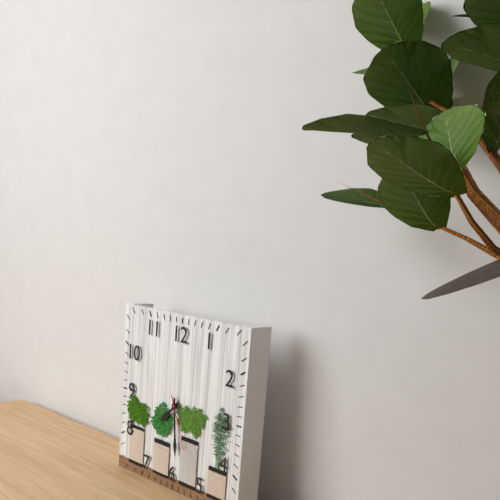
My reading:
{"hour": 7, "minute": 29, "second": 26}
